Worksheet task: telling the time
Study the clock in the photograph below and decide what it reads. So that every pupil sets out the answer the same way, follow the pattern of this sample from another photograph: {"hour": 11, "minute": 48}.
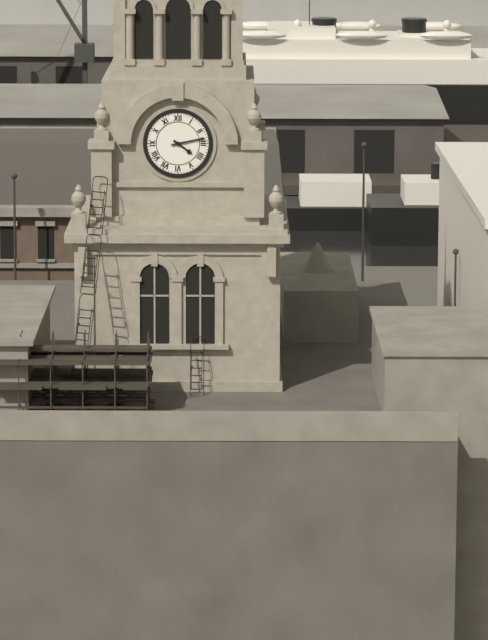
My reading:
{"hour": 4, "minute": 13}
